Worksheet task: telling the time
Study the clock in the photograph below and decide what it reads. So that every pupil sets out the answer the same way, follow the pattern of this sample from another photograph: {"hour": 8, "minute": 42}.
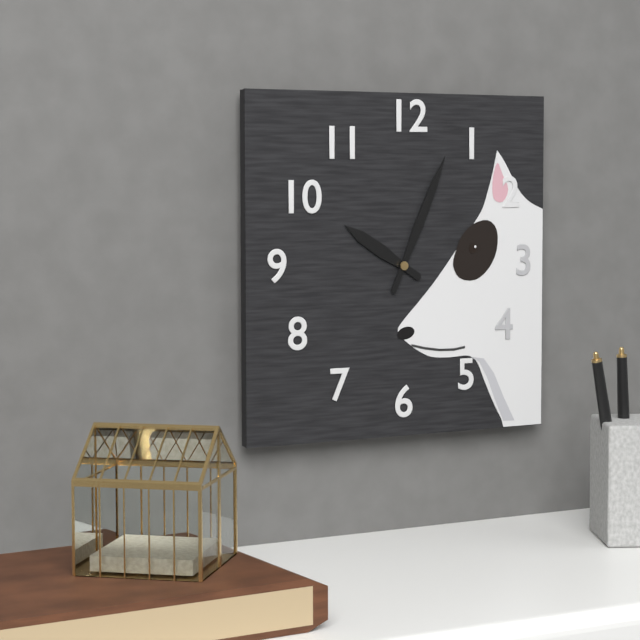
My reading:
{"hour": 10, "minute": 4}
